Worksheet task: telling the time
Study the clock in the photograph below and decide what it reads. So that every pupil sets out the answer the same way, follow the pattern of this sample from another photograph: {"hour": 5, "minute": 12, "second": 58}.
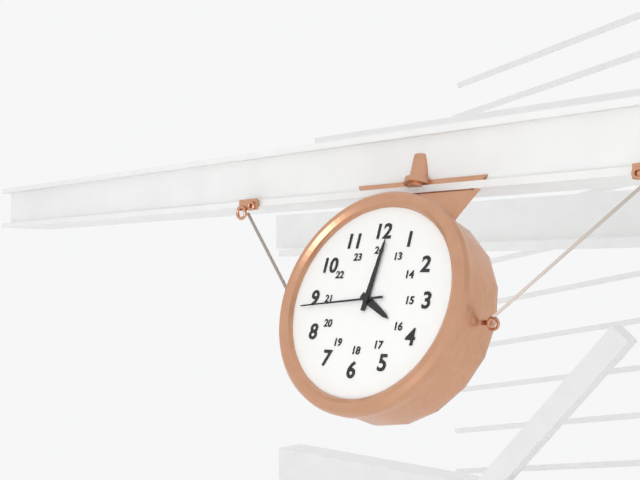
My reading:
{"hour": 4, "minute": 1, "second": 44}
